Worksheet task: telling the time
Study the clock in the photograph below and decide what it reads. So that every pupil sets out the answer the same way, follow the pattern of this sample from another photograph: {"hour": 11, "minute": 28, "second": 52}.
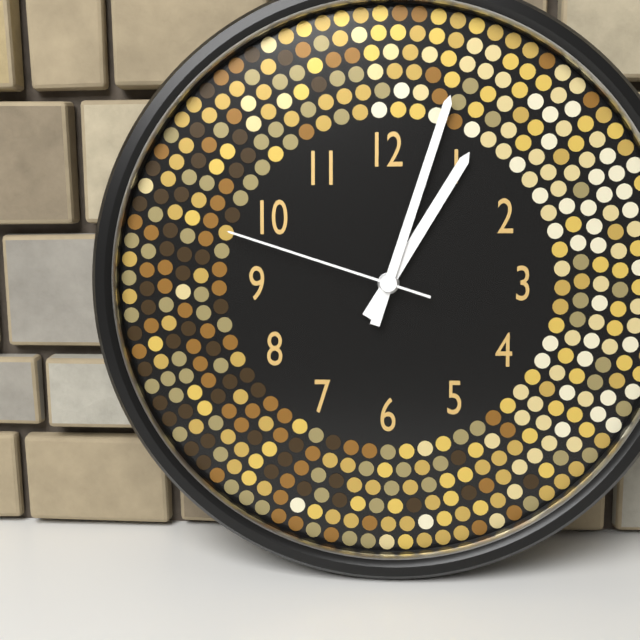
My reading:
{"hour": 1, "minute": 3, "second": 48}
